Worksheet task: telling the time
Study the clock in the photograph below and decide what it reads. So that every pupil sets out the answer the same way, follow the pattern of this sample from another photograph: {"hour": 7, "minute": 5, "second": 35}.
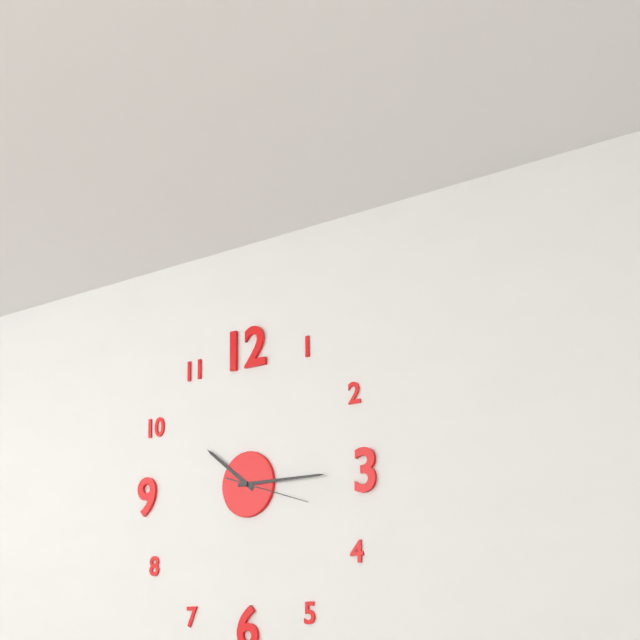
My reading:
{"hour": 10, "minute": 15, "second": 18}
